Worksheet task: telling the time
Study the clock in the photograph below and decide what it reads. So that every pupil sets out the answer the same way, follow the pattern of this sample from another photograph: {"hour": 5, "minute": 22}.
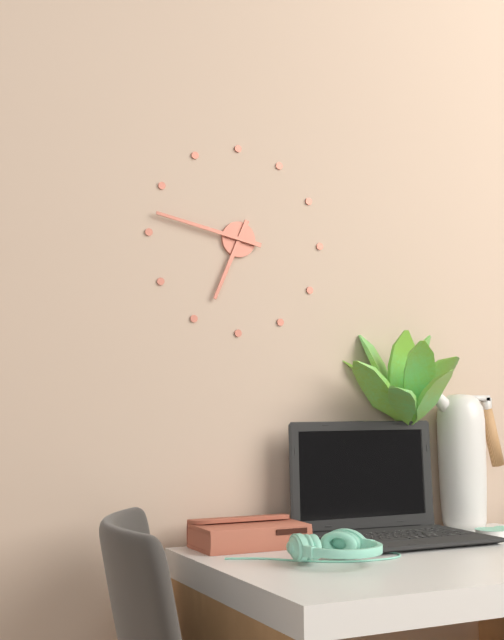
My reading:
{"hour": 6, "minute": 47}
